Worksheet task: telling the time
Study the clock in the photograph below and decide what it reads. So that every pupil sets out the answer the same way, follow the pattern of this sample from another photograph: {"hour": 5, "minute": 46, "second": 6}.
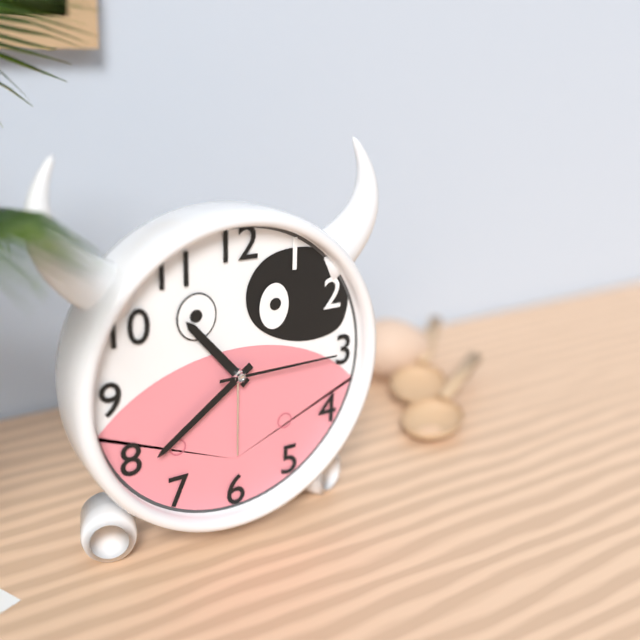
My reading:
{"hour": 10, "minute": 39, "second": 15}
